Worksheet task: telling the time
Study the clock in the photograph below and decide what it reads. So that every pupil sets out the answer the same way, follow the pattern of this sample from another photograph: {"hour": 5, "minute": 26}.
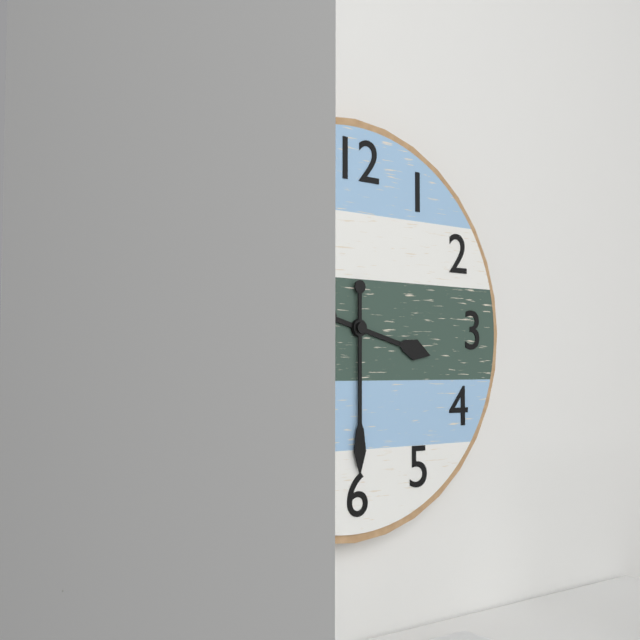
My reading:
{"hour": 3, "minute": 30}
